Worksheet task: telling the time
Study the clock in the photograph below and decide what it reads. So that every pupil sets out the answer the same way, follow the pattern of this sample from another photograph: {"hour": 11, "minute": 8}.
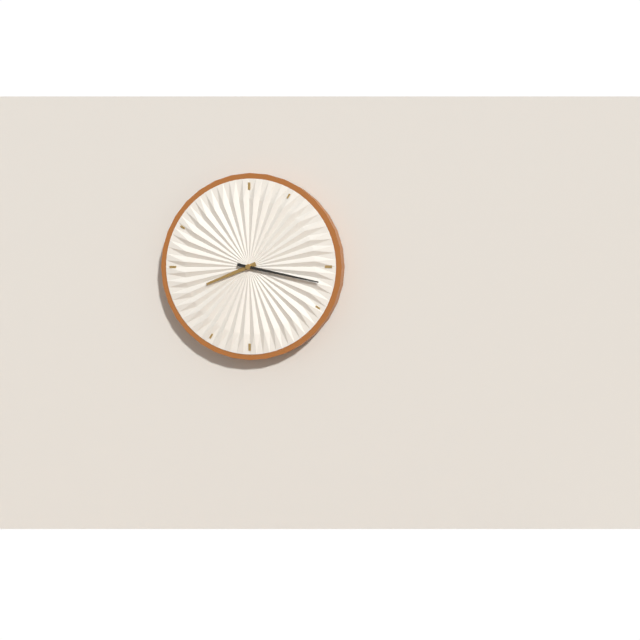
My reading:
{"hour": 8, "minute": 17}
